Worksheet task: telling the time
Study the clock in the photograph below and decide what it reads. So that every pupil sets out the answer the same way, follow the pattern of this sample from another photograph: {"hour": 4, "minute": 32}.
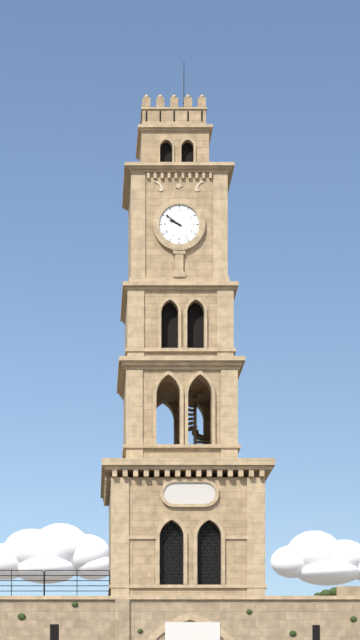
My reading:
{"hour": 9, "minute": 51}
